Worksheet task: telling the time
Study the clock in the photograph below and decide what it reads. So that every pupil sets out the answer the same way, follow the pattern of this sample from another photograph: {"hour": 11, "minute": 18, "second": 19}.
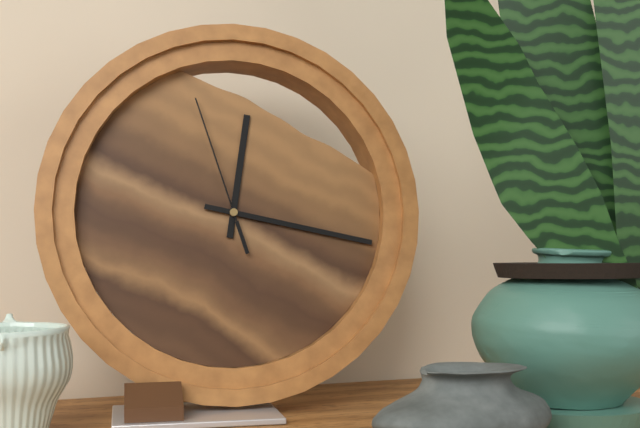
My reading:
{"hour": 12, "minute": 17, "second": 57}
